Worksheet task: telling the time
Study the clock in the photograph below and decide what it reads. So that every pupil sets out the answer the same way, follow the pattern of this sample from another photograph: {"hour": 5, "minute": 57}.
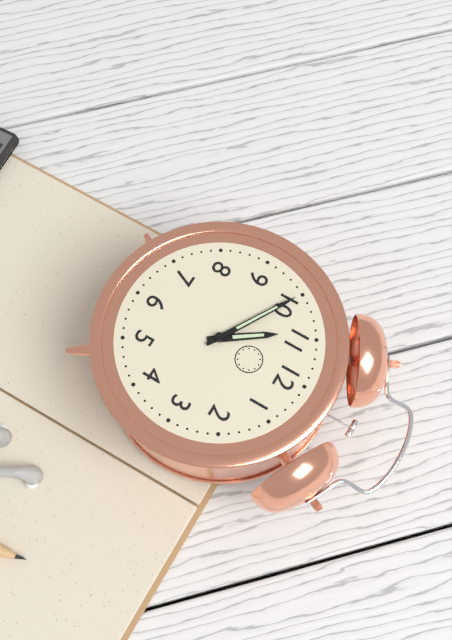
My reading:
{"hour": 10, "minute": 50}
